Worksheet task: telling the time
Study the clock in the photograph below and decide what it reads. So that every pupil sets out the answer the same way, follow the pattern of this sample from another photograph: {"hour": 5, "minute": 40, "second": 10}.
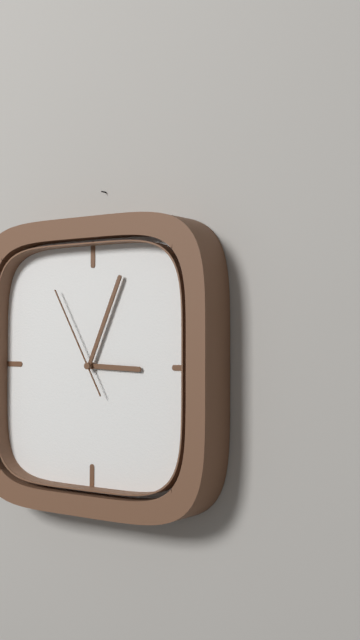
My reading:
{"hour": 3, "minute": 4, "second": 55}
